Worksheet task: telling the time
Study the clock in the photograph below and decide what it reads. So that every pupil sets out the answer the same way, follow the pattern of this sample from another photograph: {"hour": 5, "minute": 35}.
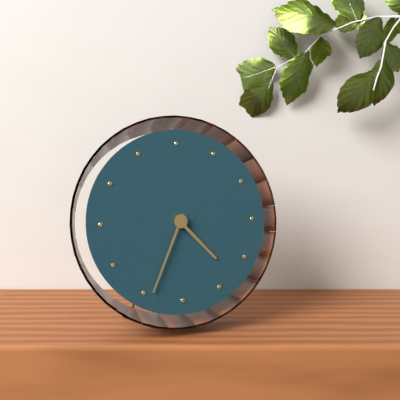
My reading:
{"hour": 4, "minute": 34}
